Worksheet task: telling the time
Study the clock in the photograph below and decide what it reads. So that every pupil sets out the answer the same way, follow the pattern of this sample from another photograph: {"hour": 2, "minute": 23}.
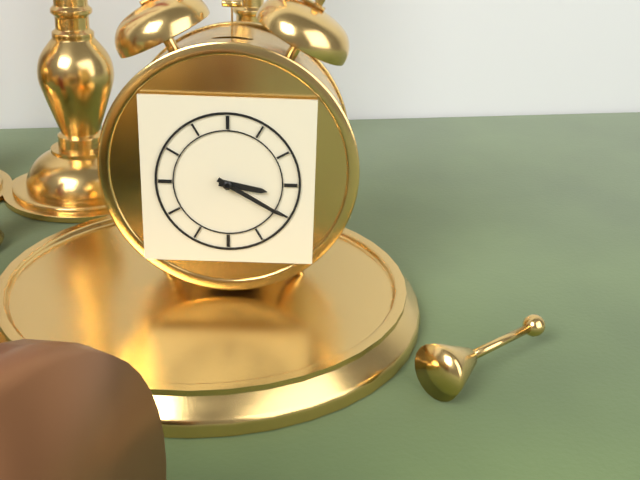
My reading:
{"hour": 3, "minute": 20}
